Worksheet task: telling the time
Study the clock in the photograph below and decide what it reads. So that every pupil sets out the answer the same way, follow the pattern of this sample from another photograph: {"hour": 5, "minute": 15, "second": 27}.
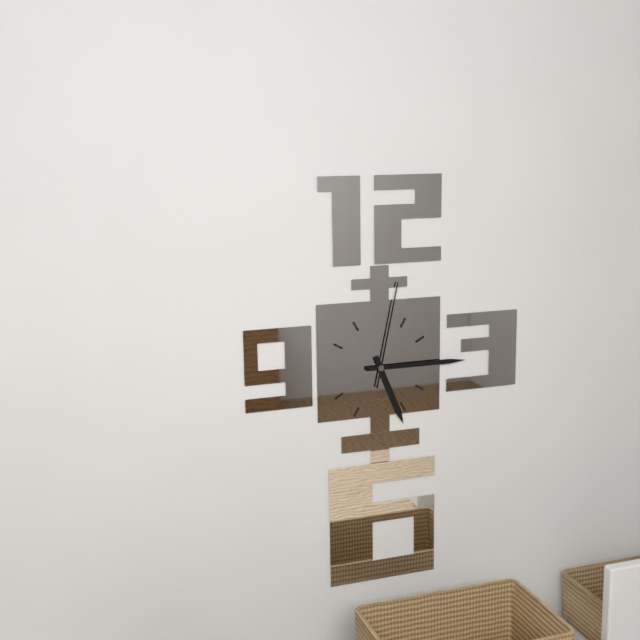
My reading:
{"hour": 5, "minute": 15, "second": 2}
